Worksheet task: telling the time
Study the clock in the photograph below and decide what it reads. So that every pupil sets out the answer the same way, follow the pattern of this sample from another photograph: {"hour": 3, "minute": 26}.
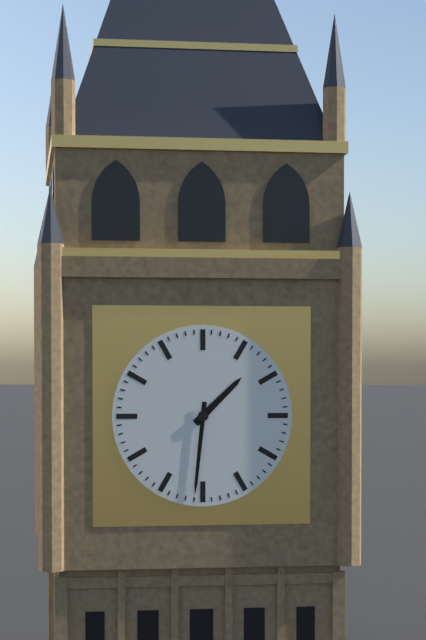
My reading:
{"hour": 1, "minute": 31}
